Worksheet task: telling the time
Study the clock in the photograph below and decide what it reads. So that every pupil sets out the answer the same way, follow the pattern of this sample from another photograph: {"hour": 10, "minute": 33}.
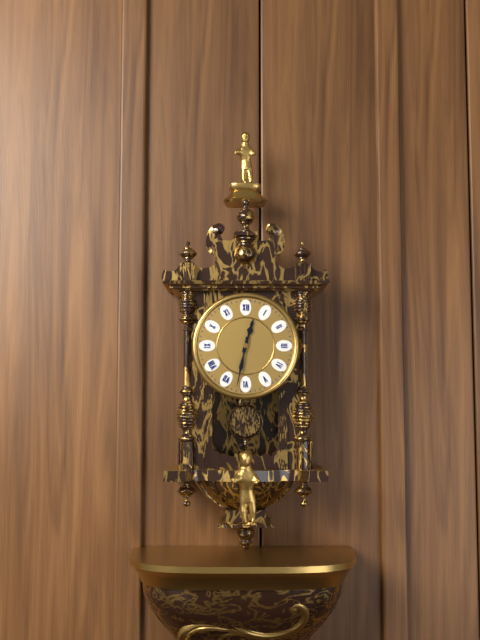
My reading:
{"hour": 12, "minute": 32}
